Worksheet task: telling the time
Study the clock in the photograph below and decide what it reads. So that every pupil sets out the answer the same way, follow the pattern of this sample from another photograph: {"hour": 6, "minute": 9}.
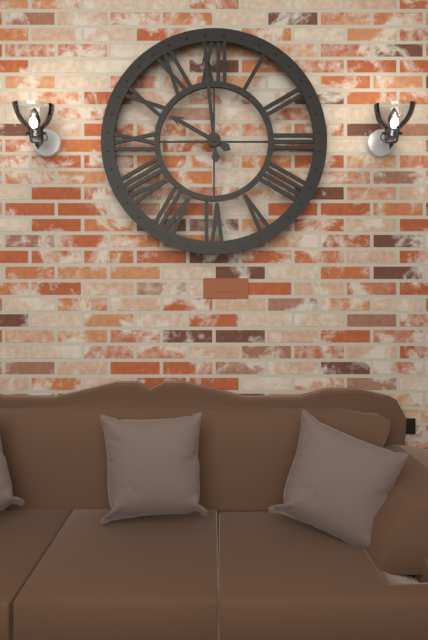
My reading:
{"hour": 9, "minute": 59}
